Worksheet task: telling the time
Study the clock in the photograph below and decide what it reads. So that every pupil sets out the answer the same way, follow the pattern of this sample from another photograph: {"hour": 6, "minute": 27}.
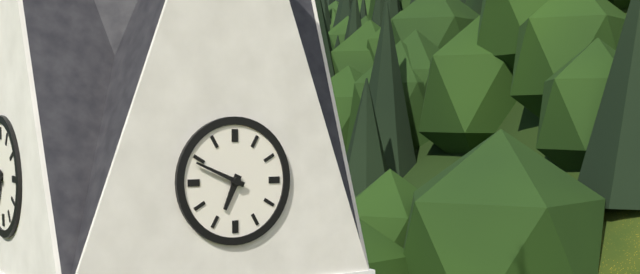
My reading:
{"hour": 6, "minute": 49}
